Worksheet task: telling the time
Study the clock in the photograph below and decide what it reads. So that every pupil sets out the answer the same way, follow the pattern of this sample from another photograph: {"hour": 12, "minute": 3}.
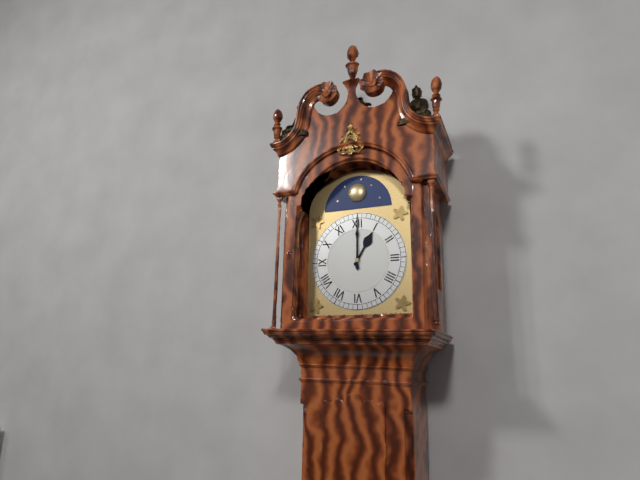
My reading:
{"hour": 1, "minute": 0}
